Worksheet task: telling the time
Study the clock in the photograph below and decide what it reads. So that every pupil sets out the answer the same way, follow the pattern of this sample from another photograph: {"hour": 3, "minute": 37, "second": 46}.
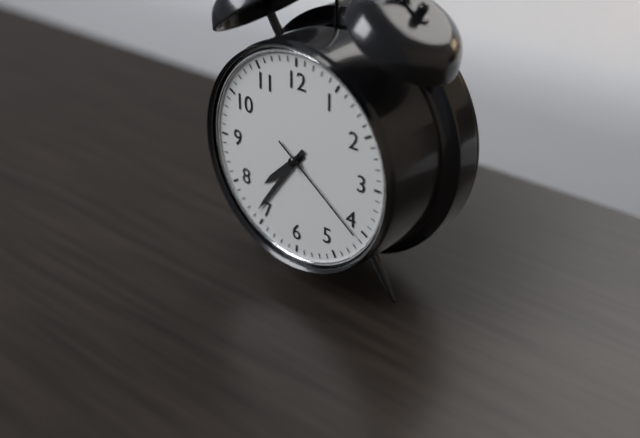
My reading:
{"hour": 7, "minute": 36, "second": 21}
